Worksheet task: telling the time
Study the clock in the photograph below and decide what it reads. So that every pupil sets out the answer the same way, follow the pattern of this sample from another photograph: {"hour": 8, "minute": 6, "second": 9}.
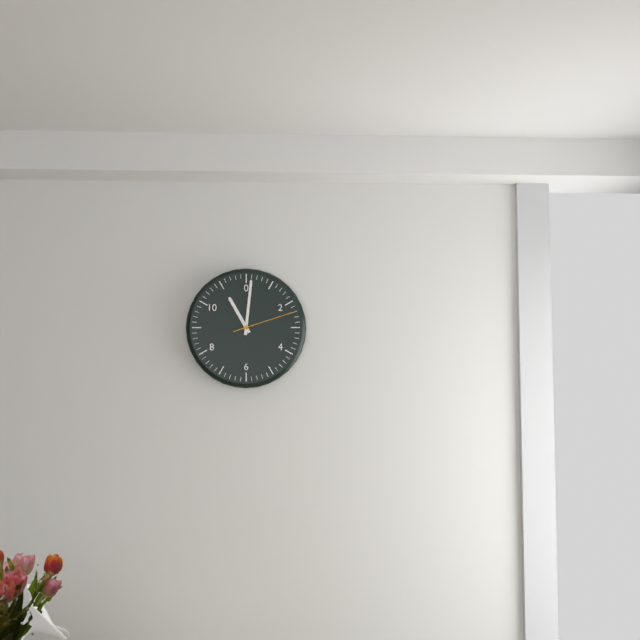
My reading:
{"hour": 11, "minute": 1, "second": 12}
